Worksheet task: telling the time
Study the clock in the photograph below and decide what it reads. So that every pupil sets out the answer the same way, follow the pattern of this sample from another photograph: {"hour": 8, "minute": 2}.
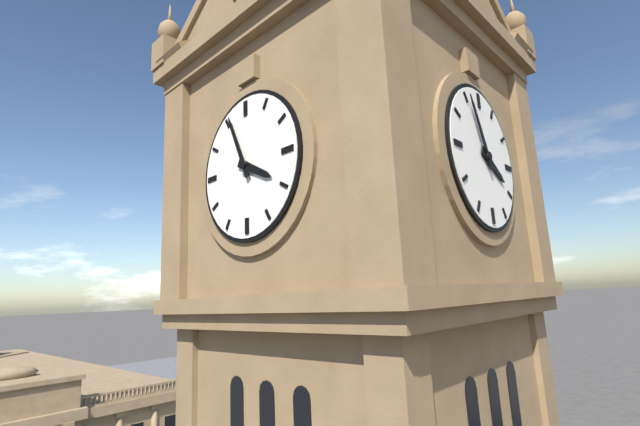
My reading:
{"hour": 3, "minute": 56}
